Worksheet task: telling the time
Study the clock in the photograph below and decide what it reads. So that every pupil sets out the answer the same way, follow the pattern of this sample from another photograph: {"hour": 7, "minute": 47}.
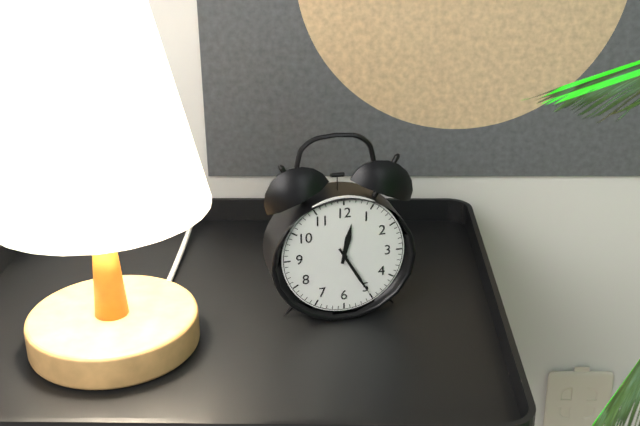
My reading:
{"hour": 12, "minute": 25}
